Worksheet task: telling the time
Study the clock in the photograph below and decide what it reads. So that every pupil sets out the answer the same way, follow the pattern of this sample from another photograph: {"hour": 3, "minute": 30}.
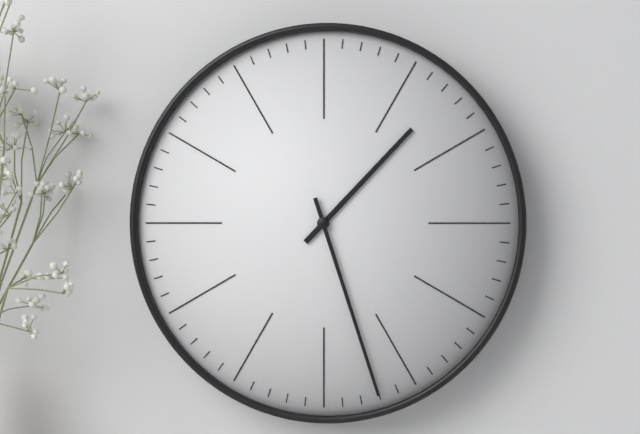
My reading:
{"hour": 1, "minute": 27}
